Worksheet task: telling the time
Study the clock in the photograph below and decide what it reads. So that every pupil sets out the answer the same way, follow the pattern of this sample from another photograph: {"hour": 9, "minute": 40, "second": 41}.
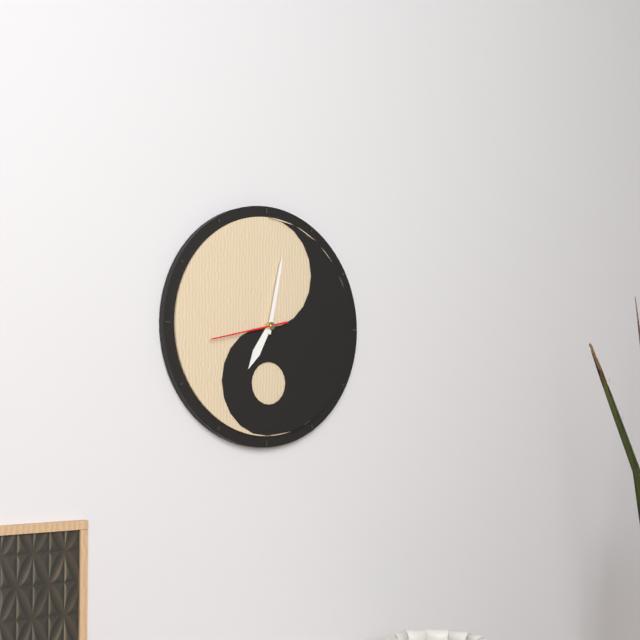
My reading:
{"hour": 7, "minute": 2, "second": 43}
